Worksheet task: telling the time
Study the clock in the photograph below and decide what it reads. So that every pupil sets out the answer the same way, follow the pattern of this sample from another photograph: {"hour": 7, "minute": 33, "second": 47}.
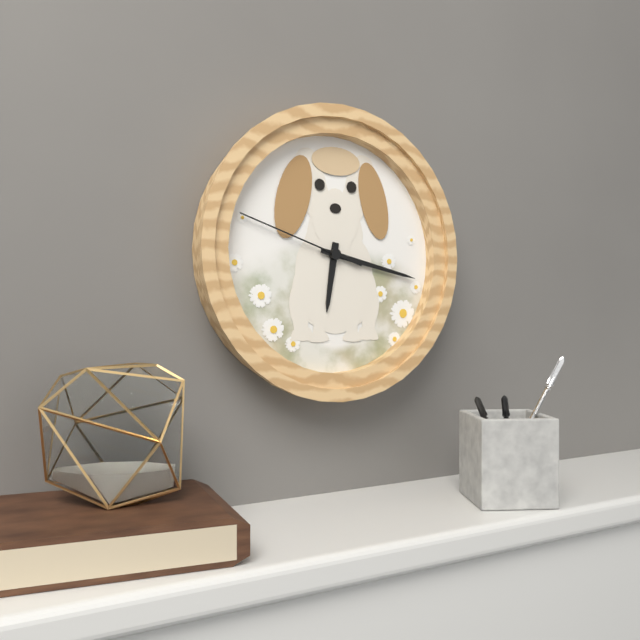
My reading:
{"hour": 6, "minute": 17, "second": 48}
